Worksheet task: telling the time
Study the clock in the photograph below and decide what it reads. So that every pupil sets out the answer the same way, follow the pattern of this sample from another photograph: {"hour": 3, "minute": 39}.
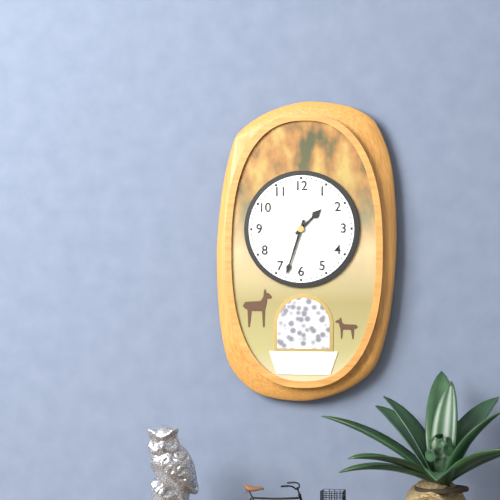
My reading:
{"hour": 1, "minute": 33}
